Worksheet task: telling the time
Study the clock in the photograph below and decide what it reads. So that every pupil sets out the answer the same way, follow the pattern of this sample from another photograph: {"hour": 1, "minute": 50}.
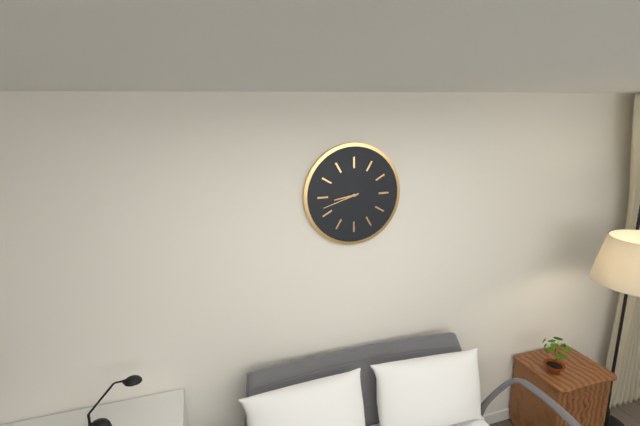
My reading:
{"hour": 8, "minute": 42}
